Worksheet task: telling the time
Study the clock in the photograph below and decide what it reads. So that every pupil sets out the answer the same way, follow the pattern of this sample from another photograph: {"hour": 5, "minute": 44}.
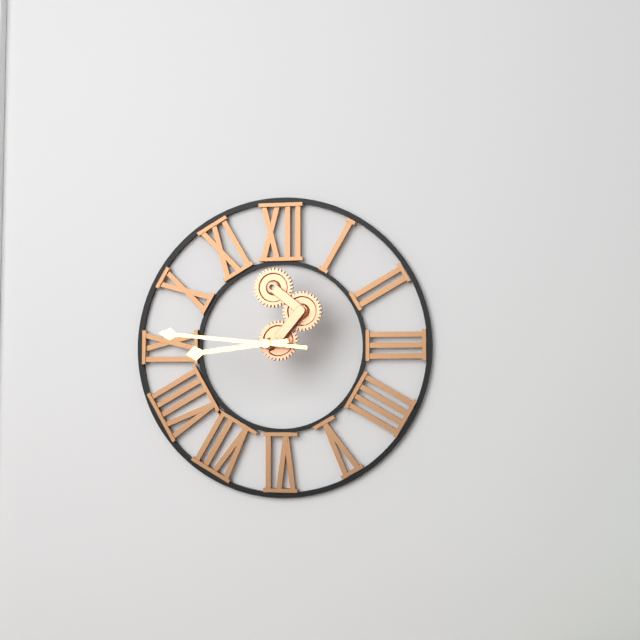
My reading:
{"hour": 8, "minute": 46}
